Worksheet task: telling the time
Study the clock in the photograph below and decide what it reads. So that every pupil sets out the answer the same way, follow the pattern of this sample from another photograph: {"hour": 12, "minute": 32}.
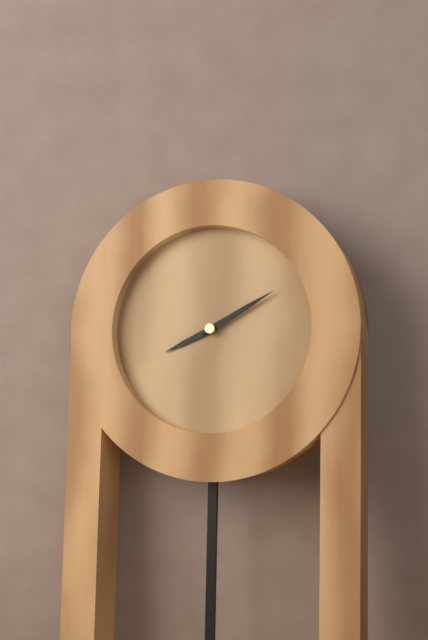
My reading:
{"hour": 8, "minute": 10}
